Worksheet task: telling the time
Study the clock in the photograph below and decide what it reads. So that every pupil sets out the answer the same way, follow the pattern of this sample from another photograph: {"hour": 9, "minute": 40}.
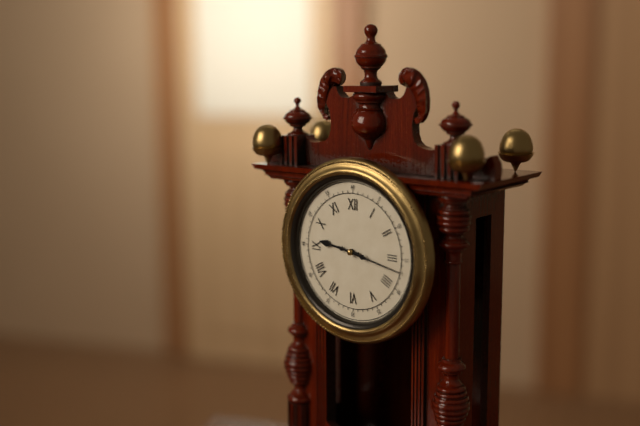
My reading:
{"hour": 9, "minute": 17}
